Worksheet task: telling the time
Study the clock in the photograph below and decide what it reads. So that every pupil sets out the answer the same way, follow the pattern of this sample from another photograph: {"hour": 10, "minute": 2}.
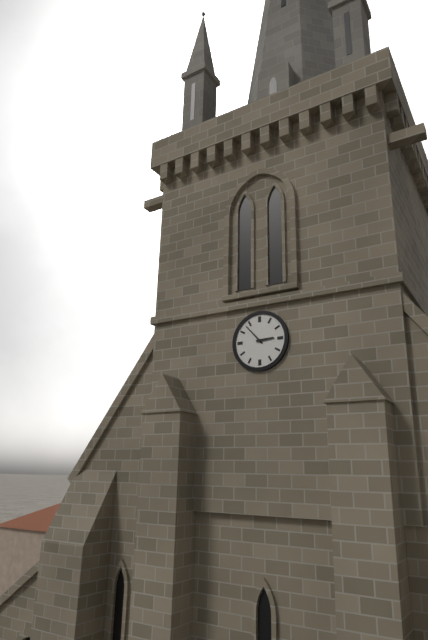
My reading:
{"hour": 2, "minute": 53}
